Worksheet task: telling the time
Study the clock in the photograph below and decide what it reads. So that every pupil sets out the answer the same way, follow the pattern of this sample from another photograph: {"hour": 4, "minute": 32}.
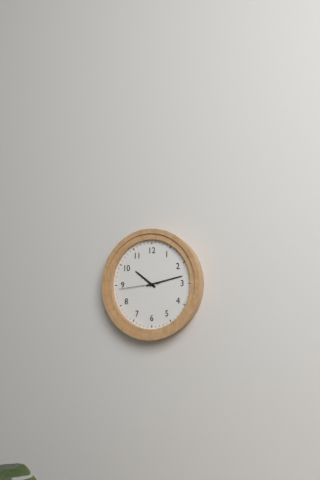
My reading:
{"hour": 10, "minute": 13}
